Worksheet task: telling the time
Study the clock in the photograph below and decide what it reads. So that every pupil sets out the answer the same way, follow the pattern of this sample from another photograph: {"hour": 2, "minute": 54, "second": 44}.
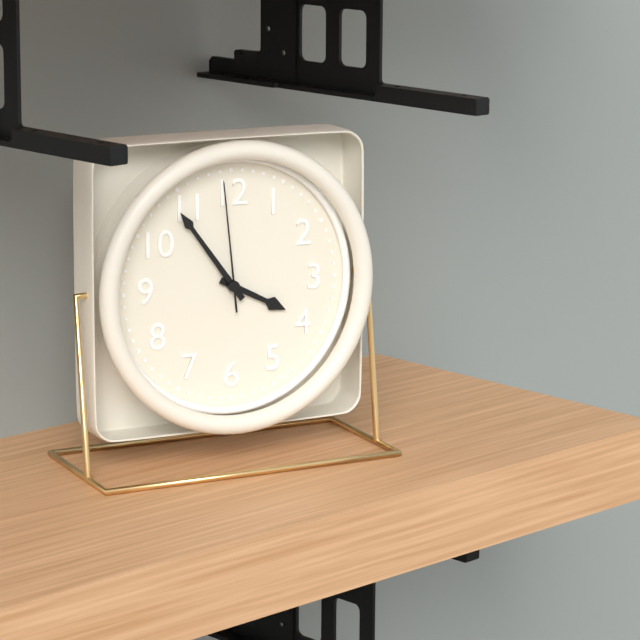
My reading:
{"hour": 3, "minute": 54, "second": 59}
